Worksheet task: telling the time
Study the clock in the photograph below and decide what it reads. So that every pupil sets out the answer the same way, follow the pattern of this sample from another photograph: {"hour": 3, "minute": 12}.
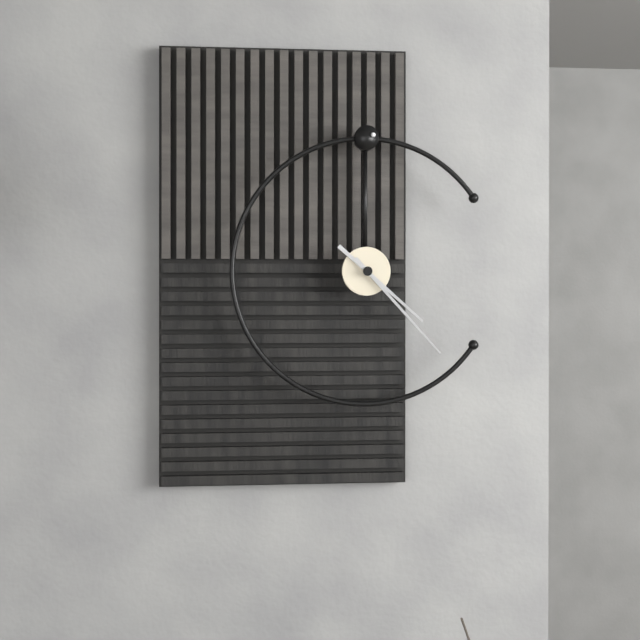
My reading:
{"hour": 4, "minute": 23}
